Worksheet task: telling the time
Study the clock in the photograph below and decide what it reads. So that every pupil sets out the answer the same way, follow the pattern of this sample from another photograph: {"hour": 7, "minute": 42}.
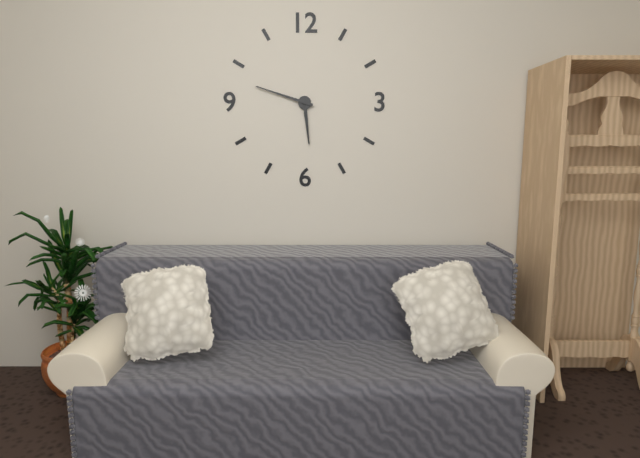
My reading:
{"hour": 5, "minute": 48}
